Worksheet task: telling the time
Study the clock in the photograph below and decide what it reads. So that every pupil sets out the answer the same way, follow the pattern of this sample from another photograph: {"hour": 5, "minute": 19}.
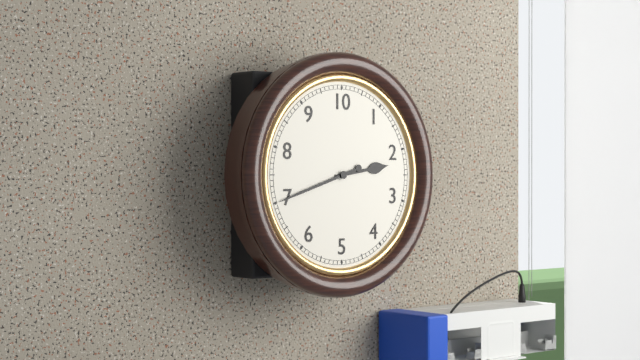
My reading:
{"hour": 2, "minute": 42}
